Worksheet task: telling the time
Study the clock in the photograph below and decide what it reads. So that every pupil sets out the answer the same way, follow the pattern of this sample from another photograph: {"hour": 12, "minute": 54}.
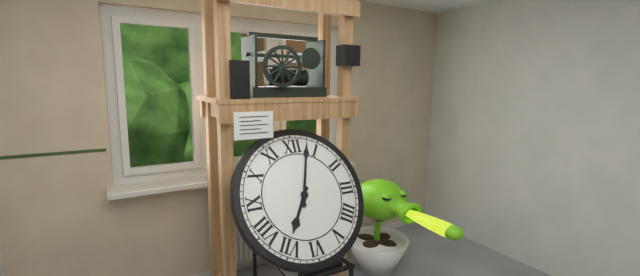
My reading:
{"hour": 7, "minute": 3}
